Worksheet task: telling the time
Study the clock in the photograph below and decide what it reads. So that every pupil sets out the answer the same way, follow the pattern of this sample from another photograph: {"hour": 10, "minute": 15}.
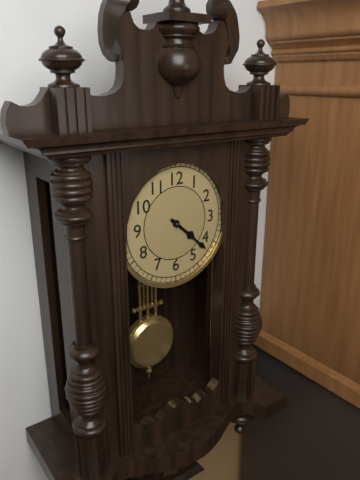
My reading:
{"hour": 4, "minute": 22}
